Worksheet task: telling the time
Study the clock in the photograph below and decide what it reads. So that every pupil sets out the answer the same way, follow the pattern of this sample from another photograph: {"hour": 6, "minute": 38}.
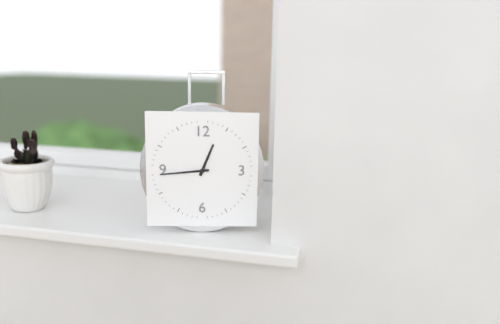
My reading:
{"hour": 12, "minute": 44}
